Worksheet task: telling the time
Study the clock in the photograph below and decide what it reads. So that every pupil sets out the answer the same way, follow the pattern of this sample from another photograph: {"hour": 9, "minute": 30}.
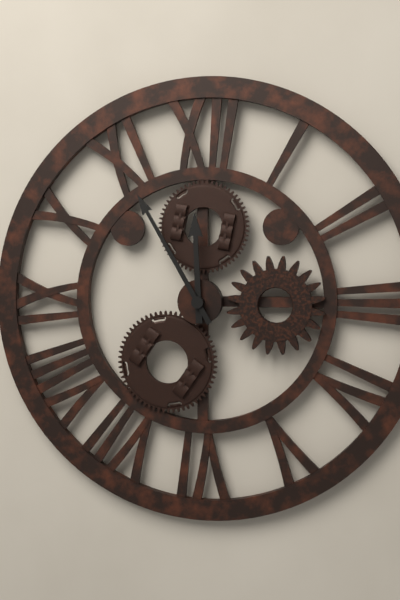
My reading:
{"hour": 11, "minute": 55}
